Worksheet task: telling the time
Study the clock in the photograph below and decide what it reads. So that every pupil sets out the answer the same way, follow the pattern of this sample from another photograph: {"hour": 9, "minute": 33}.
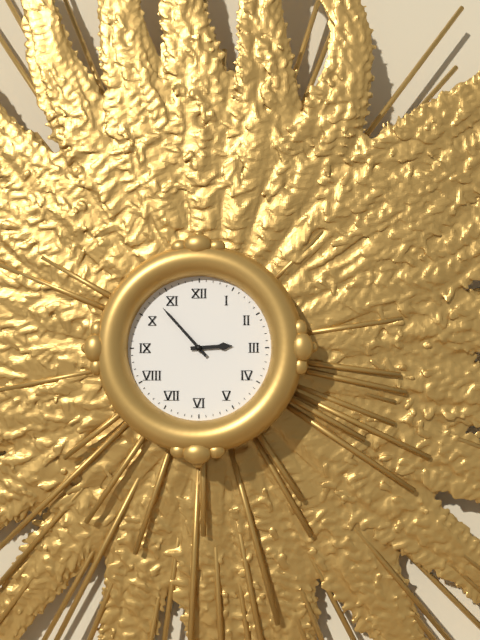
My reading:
{"hour": 2, "minute": 53}
